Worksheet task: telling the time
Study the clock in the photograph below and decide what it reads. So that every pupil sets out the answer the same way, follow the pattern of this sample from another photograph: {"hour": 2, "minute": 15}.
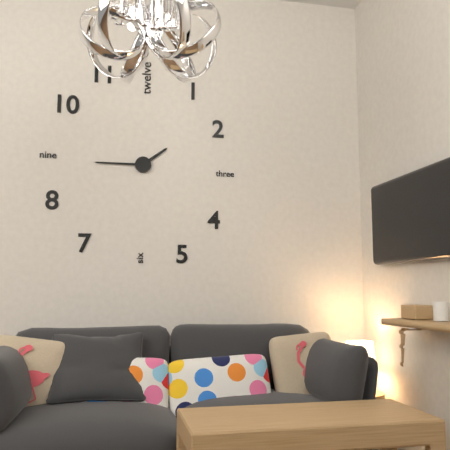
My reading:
{"hour": 1, "minute": 45}
